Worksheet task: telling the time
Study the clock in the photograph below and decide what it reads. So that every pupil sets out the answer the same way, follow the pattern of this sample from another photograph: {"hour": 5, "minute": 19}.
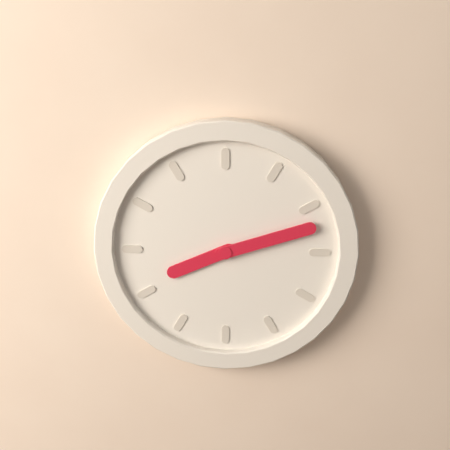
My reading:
{"hour": 8, "minute": 12}
